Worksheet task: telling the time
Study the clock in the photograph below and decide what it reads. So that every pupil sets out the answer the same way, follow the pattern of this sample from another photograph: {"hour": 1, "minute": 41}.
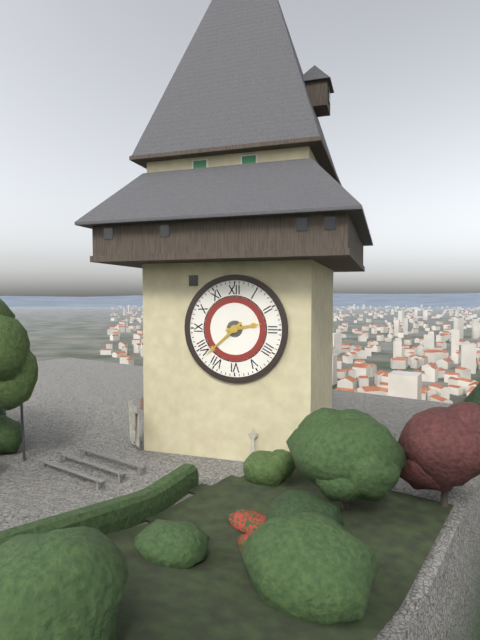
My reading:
{"hour": 2, "minute": 38}
